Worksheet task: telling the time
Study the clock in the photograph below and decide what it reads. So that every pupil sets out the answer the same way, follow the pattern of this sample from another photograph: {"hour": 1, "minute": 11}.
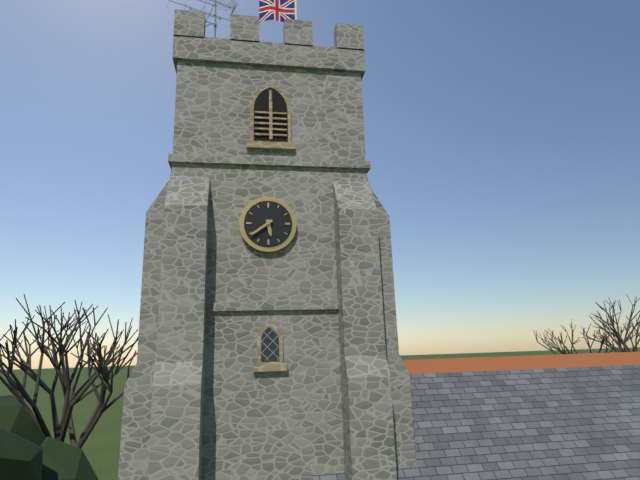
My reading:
{"hour": 5, "minute": 39}
